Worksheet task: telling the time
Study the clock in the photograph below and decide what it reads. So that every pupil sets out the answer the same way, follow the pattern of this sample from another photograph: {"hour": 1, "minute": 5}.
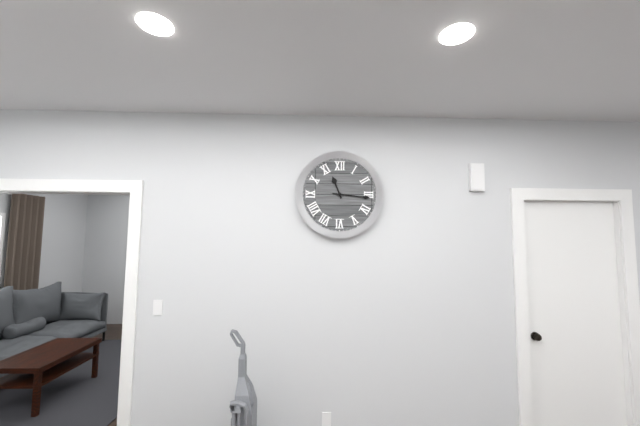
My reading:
{"hour": 11, "minute": 16}
